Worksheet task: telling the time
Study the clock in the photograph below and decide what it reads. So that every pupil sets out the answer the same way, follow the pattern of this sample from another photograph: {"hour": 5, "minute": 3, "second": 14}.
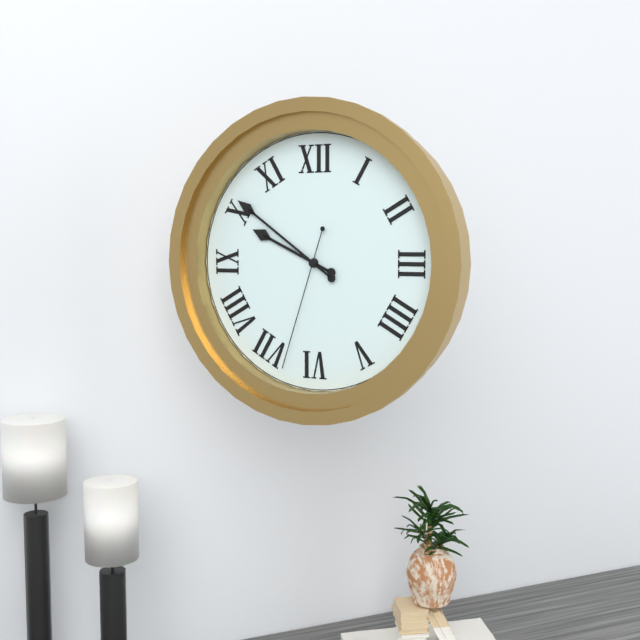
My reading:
{"hour": 9, "minute": 51, "second": 33}
